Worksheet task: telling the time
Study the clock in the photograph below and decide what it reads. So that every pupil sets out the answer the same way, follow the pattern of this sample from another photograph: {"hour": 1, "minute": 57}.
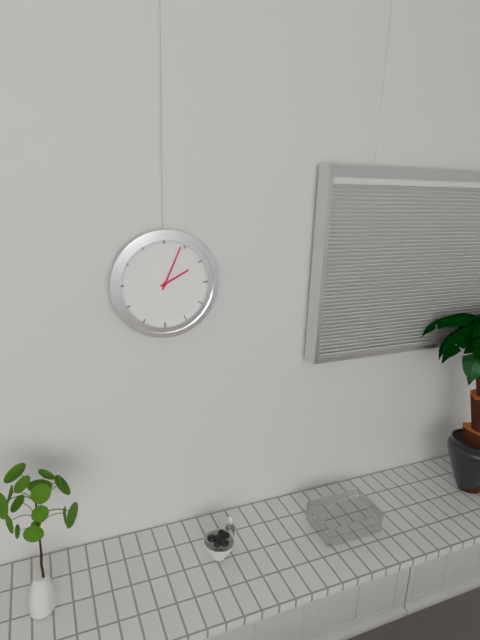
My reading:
{"hour": 2, "minute": 4}
